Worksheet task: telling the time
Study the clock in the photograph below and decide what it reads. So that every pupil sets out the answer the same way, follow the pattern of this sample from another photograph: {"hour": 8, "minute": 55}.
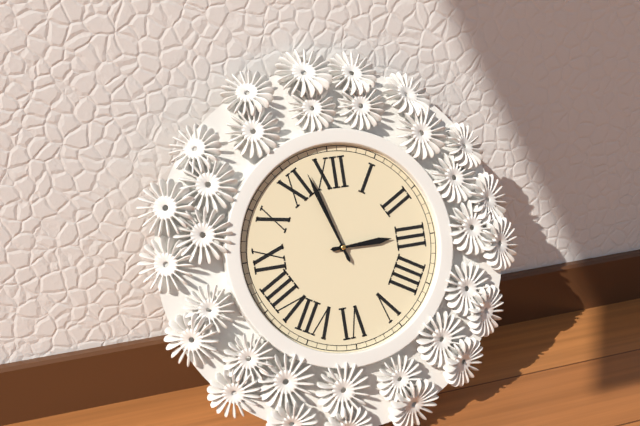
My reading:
{"hour": 2, "minute": 57}
